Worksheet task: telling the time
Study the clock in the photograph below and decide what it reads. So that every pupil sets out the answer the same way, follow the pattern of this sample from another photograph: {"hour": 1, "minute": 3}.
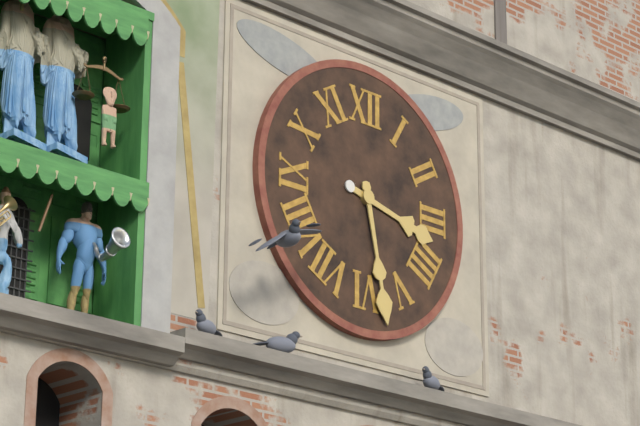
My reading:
{"hour": 3, "minute": 28}
